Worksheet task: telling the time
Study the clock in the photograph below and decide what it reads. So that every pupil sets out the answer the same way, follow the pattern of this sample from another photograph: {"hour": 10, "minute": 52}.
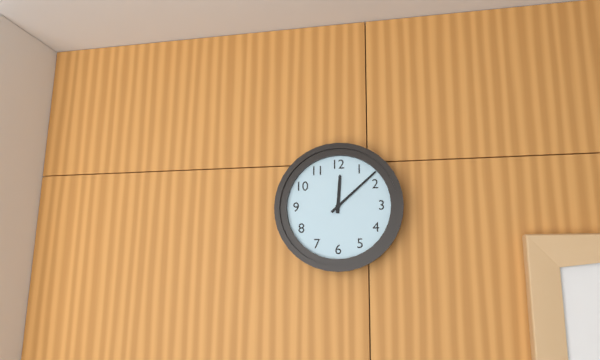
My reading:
{"hour": 12, "minute": 8}
